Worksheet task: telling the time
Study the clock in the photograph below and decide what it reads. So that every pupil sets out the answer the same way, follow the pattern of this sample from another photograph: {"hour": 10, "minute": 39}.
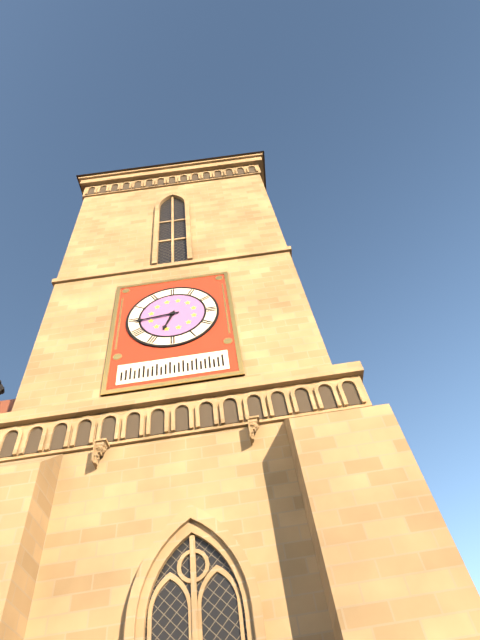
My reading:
{"hour": 6, "minute": 44}
